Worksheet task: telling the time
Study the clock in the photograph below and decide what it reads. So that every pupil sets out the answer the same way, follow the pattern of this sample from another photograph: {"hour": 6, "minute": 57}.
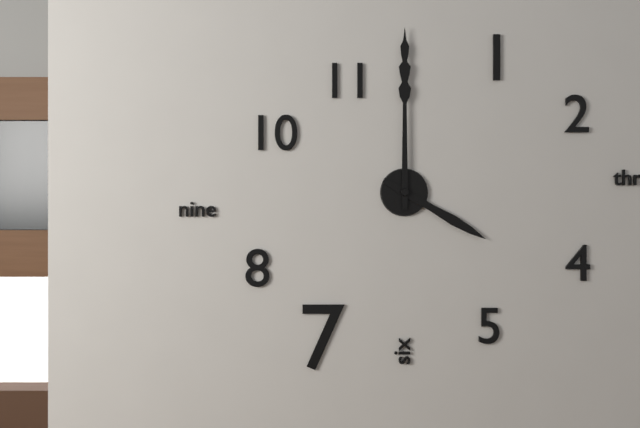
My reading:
{"hour": 4, "minute": 0}
